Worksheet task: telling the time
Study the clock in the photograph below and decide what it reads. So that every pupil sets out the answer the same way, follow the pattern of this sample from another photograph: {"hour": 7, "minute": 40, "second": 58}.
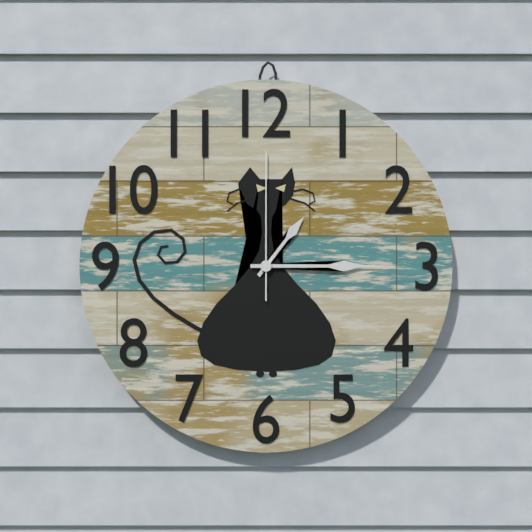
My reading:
{"hour": 1, "minute": 15, "second": 0}
